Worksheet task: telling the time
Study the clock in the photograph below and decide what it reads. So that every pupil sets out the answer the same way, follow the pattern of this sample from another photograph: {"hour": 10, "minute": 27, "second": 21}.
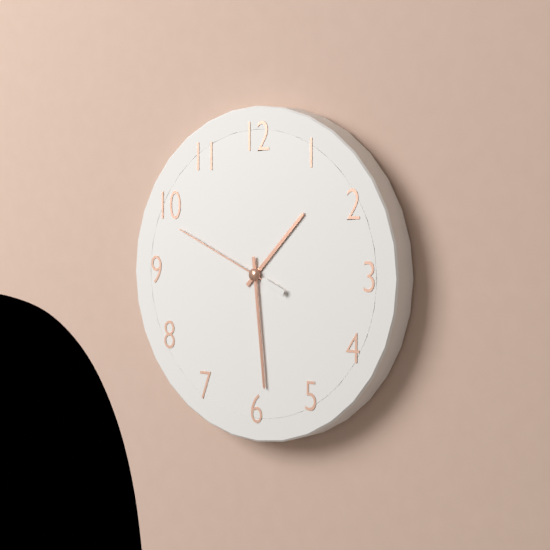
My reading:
{"hour": 1, "minute": 29, "second": 49}
